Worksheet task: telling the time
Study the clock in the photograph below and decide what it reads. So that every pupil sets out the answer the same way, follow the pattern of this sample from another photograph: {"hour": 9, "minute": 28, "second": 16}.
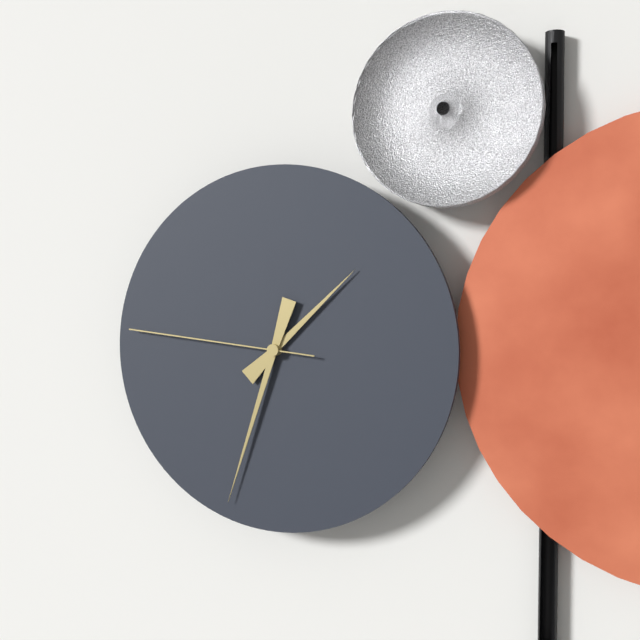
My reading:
{"hour": 1, "minute": 33, "second": 46}
